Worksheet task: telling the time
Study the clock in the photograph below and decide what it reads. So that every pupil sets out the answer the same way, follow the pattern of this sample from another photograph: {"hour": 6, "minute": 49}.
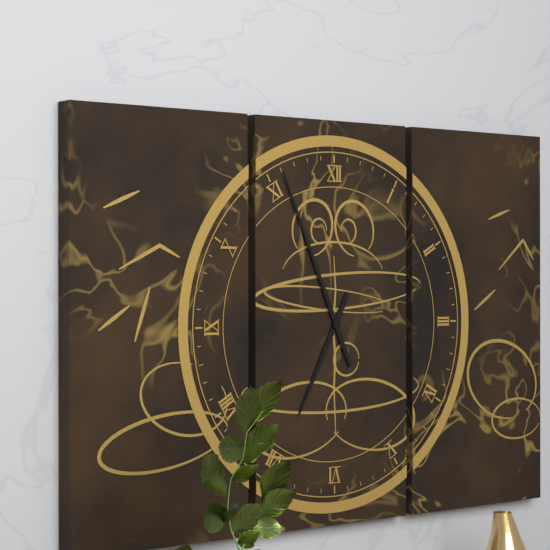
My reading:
{"hour": 6, "minute": 56}
